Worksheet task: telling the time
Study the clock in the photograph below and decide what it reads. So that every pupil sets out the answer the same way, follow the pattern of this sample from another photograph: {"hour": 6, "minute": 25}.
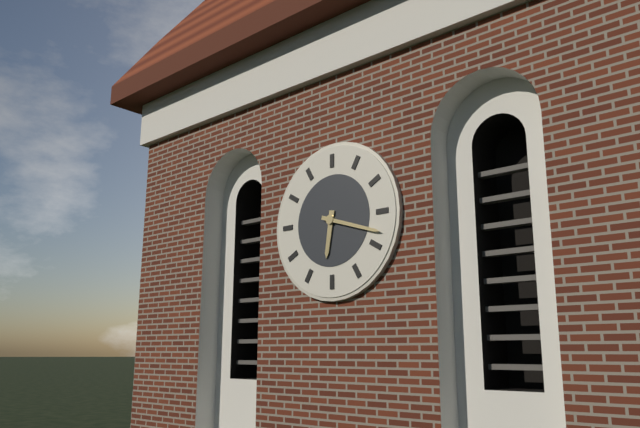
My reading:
{"hour": 6, "minute": 18}
